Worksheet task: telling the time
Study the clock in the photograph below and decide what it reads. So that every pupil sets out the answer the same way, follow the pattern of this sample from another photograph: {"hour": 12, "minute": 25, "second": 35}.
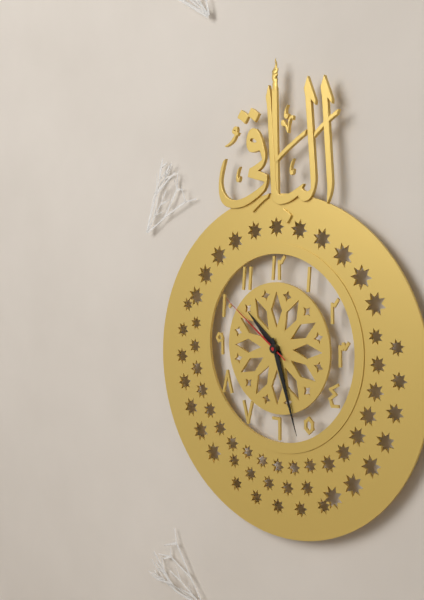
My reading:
{"hour": 10, "minute": 27, "second": 51}
